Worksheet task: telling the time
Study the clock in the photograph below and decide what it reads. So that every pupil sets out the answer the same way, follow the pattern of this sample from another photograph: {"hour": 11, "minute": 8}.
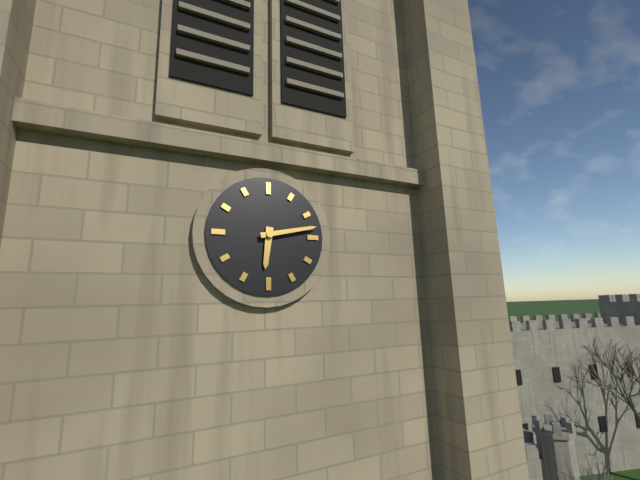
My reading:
{"hour": 6, "minute": 13}
